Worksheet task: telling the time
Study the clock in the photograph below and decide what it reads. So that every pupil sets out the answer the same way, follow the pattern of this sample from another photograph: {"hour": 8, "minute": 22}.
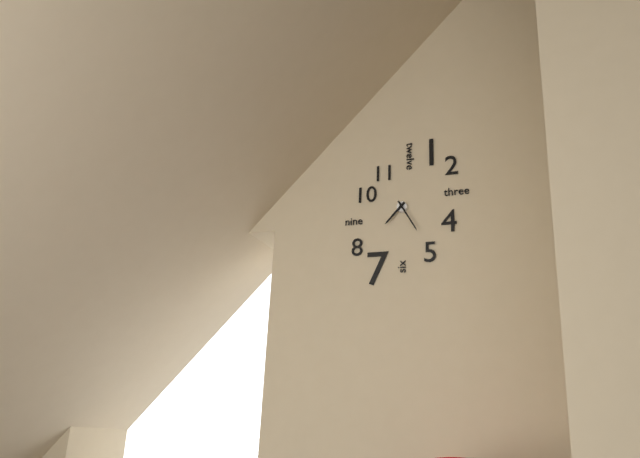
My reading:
{"hour": 7, "minute": 25}
